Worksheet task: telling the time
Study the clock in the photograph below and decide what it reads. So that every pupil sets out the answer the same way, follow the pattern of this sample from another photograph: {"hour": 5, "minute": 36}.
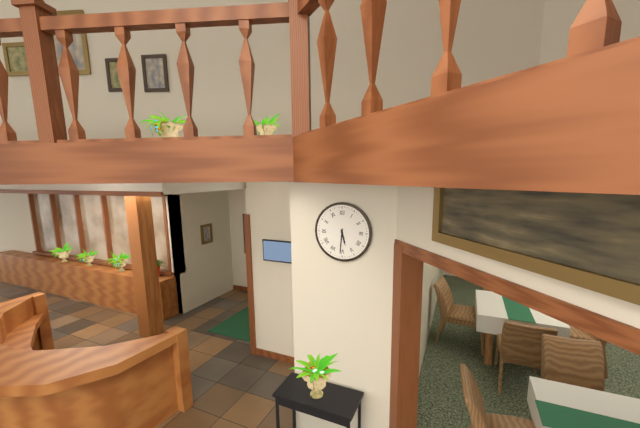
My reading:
{"hour": 5, "minute": 31}
